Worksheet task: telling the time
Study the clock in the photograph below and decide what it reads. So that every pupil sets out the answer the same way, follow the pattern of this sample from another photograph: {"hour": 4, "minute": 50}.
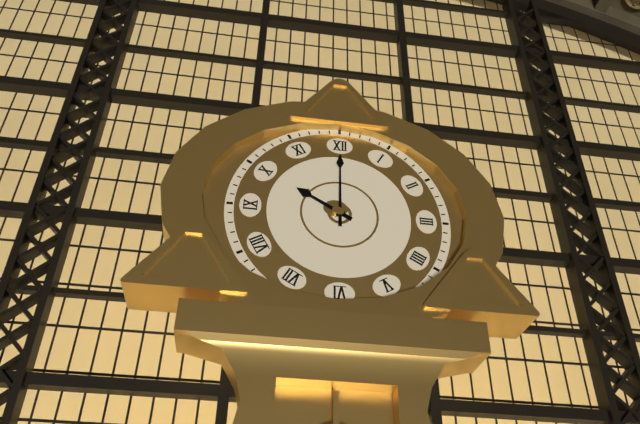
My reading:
{"hour": 10, "minute": 0}
